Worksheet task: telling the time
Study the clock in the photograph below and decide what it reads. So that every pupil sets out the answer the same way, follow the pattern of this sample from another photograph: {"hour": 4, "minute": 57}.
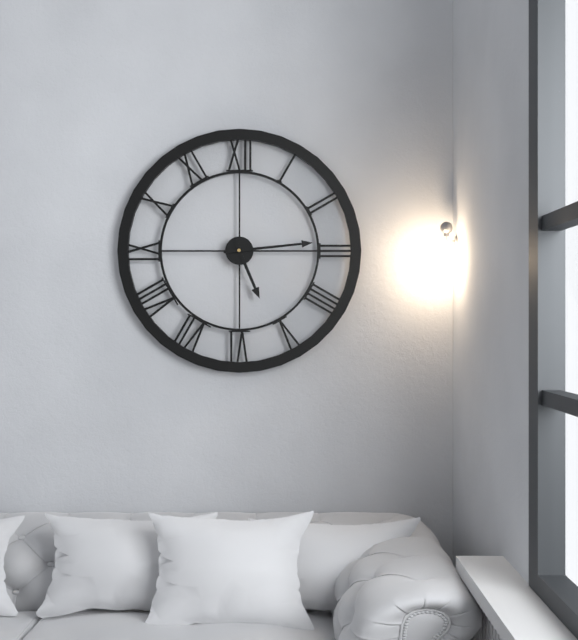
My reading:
{"hour": 5, "minute": 14}
